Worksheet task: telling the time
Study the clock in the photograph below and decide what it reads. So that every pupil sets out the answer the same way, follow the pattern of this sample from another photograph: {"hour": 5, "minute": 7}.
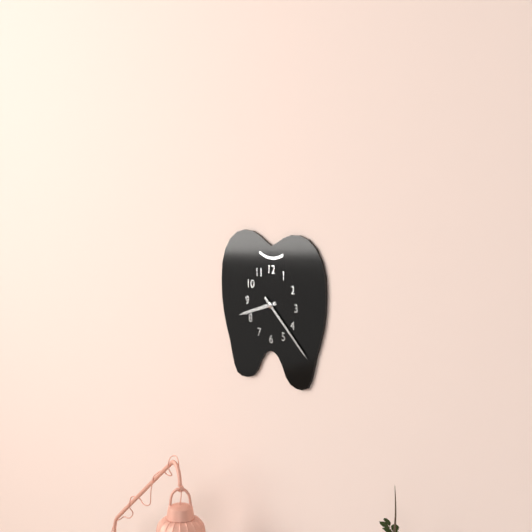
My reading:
{"hour": 8, "minute": 22}
